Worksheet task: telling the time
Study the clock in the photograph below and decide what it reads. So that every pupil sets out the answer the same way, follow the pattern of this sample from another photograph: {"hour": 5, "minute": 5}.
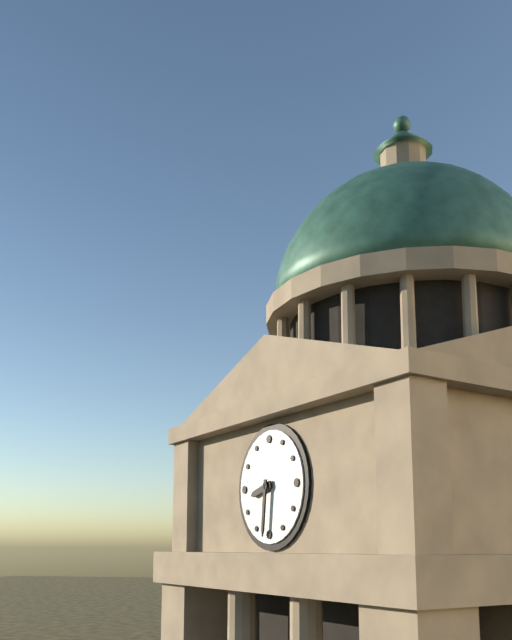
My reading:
{"hour": 8, "minute": 31}
